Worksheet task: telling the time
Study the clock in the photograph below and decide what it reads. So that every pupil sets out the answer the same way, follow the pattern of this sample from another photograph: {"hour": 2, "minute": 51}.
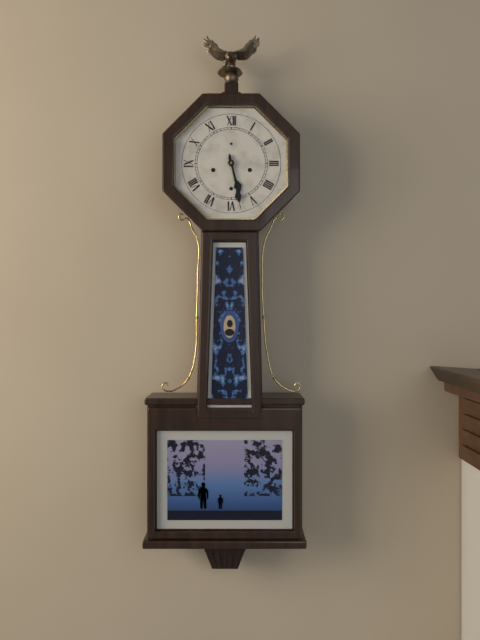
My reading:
{"hour": 5, "minute": 28}
